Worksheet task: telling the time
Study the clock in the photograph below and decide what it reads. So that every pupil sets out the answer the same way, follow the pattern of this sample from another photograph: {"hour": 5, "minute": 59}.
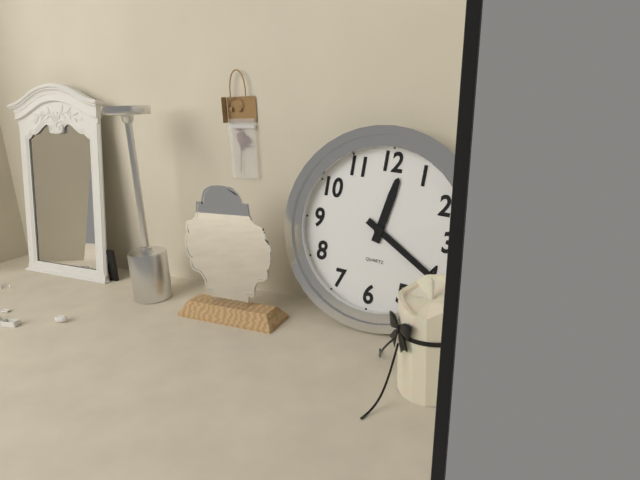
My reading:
{"hour": 12, "minute": 20}
